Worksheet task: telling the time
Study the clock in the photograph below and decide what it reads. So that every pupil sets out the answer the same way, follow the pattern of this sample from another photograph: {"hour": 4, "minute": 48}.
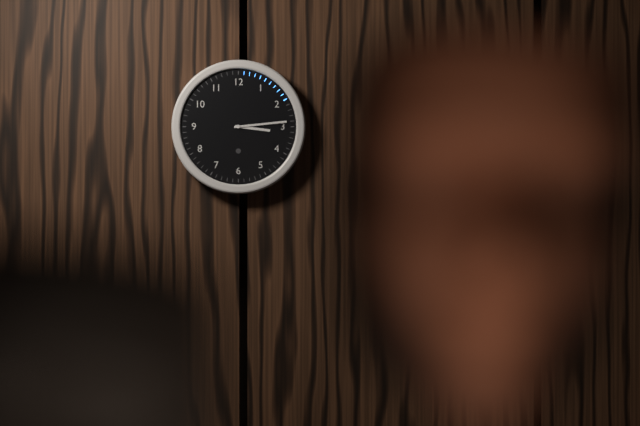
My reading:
{"hour": 3, "minute": 14}
